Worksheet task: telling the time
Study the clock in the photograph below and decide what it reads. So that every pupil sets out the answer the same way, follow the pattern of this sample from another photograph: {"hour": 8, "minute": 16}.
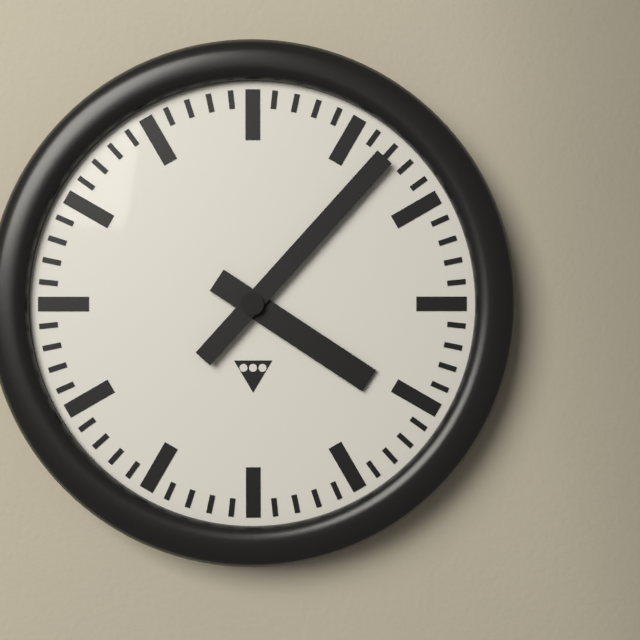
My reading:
{"hour": 4, "minute": 7}
